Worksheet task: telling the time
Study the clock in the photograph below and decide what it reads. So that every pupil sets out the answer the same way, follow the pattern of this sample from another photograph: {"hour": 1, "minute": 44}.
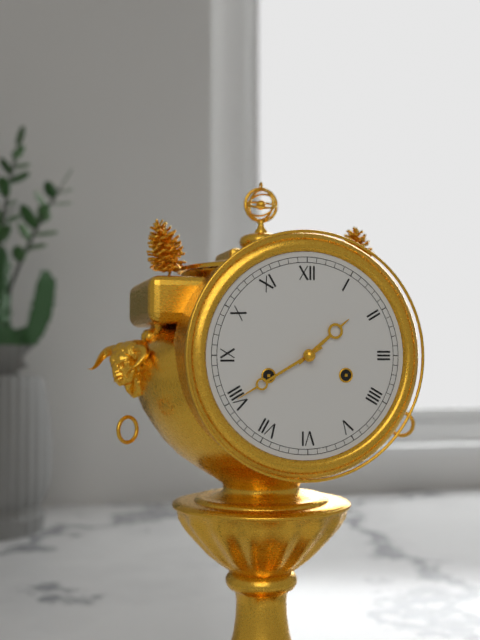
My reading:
{"hour": 1, "minute": 40}
